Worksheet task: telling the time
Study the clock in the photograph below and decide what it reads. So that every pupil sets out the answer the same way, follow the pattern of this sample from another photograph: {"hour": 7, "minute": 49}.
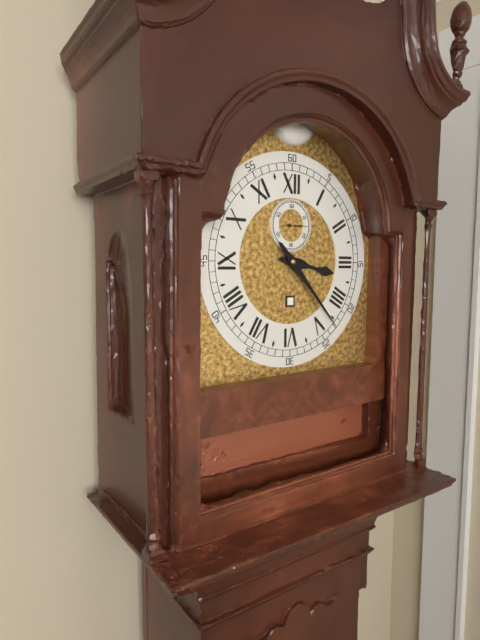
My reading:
{"hour": 3, "minute": 23}
